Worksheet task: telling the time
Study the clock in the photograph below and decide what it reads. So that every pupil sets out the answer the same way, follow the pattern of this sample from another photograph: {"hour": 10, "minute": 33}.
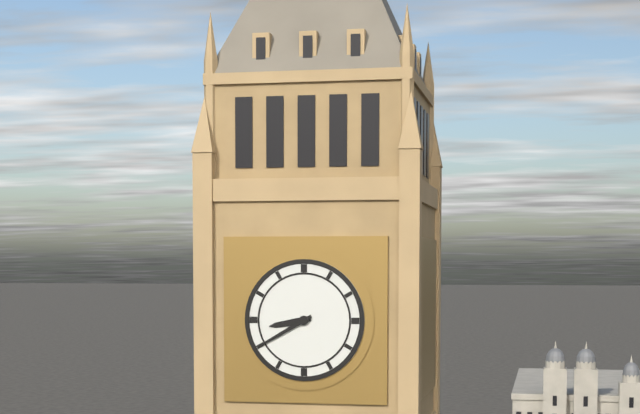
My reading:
{"hour": 8, "minute": 40}
